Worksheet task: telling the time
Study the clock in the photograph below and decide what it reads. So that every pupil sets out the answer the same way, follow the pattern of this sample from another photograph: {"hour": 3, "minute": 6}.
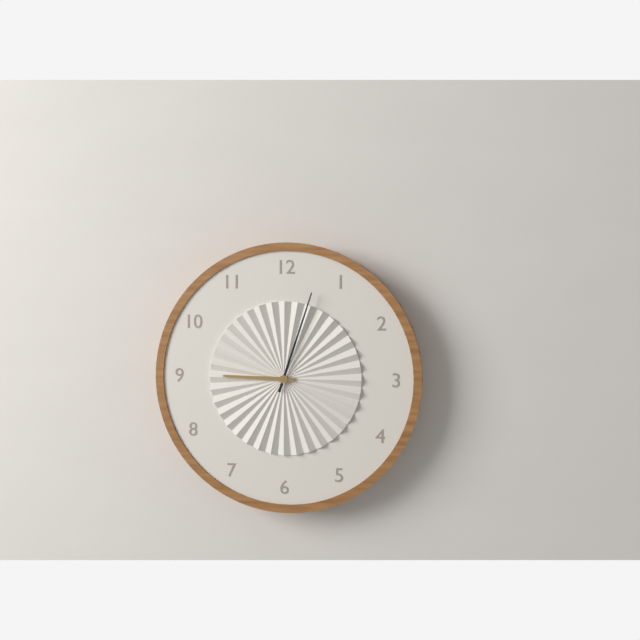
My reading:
{"hour": 9, "minute": 3}
